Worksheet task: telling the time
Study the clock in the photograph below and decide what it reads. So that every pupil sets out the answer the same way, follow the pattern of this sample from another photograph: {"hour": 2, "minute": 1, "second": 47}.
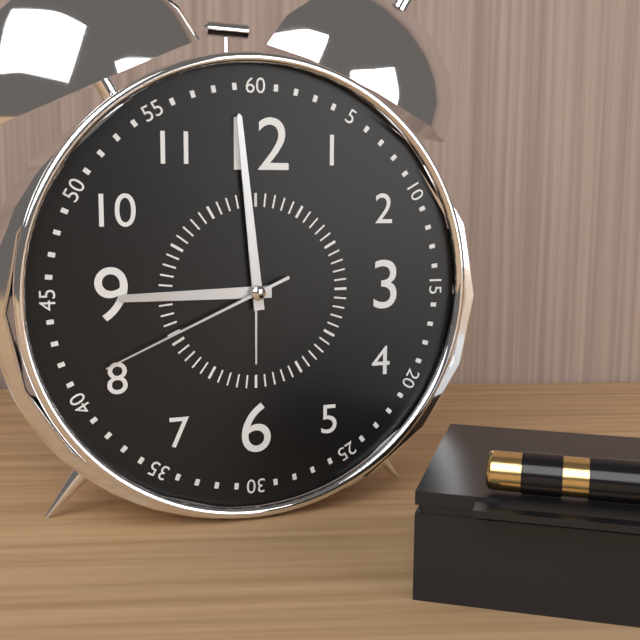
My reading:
{"hour": 8, "minute": 59, "second": 41}
